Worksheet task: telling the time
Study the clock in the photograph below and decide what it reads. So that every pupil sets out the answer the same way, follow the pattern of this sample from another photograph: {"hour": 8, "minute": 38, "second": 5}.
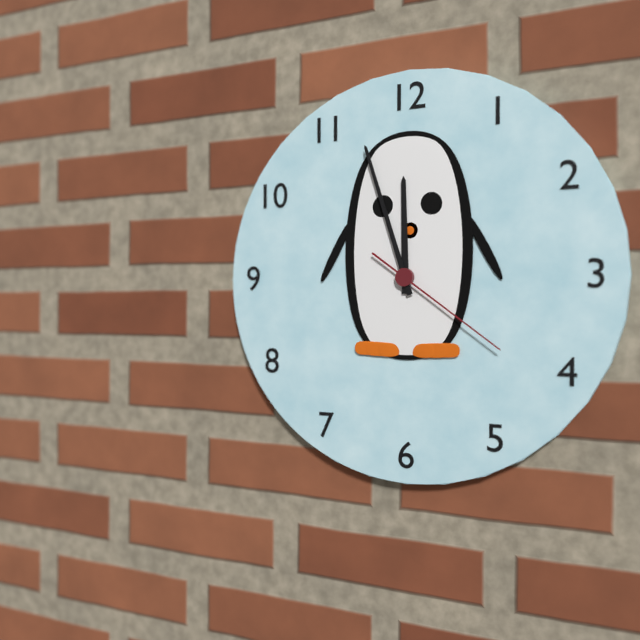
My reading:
{"hour": 11, "minute": 57, "second": 21}
